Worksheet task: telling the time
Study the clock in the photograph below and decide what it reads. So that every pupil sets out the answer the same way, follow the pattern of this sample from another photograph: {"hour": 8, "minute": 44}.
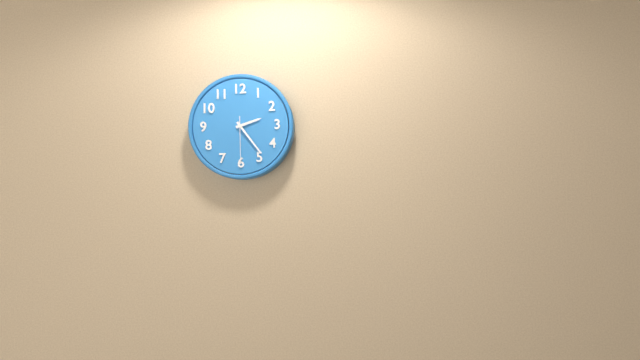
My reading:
{"hour": 2, "minute": 24}
